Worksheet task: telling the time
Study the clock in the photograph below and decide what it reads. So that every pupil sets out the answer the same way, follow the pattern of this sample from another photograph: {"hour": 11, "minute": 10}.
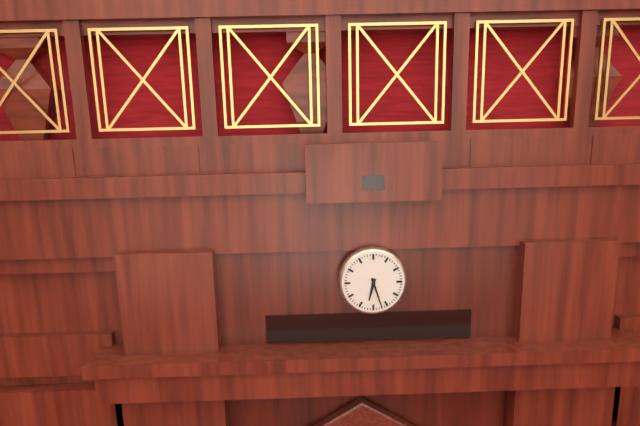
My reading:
{"hour": 6, "minute": 27}
